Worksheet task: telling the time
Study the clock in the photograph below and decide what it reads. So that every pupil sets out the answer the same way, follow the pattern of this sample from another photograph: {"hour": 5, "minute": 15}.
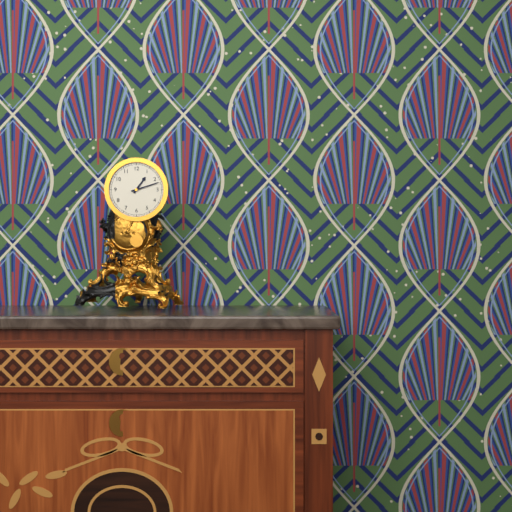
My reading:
{"hour": 1, "minute": 12}
